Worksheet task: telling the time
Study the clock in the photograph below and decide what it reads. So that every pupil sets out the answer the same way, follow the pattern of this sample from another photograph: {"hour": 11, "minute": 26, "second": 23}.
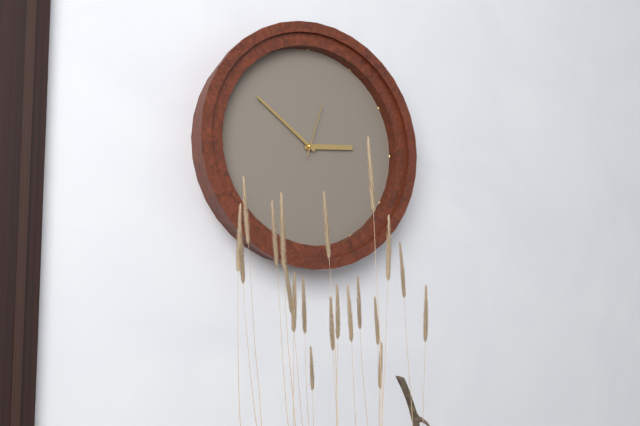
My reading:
{"hour": 2, "minute": 51, "second": 3}
